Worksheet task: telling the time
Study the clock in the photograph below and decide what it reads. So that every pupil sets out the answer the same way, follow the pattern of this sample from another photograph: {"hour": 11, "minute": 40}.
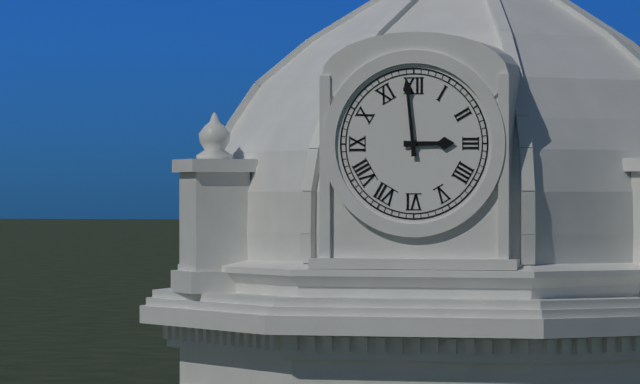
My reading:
{"hour": 2, "minute": 59}
